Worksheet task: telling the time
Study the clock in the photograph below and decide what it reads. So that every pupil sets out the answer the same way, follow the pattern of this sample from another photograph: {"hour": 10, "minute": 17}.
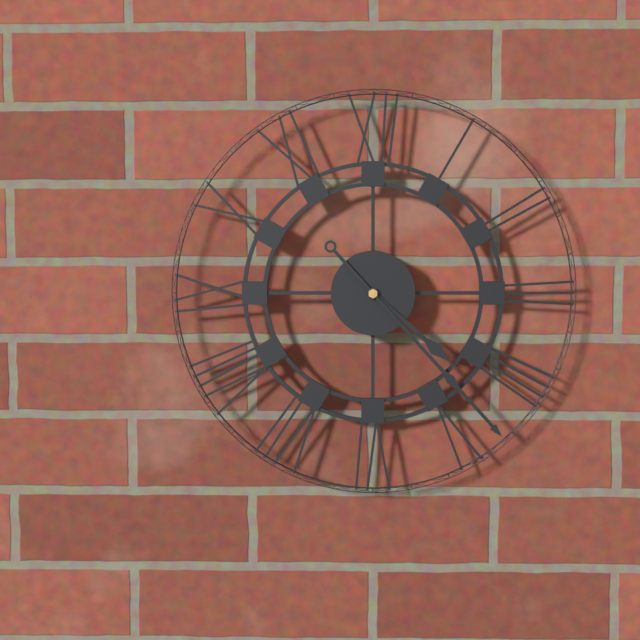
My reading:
{"hour": 4, "minute": 23}
